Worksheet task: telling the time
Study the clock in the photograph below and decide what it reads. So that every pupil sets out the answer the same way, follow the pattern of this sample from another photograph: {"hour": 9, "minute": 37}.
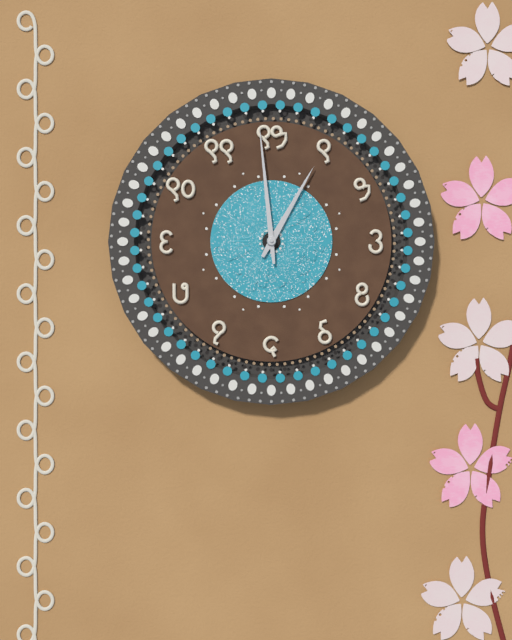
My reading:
{"hour": 12, "minute": 59}
